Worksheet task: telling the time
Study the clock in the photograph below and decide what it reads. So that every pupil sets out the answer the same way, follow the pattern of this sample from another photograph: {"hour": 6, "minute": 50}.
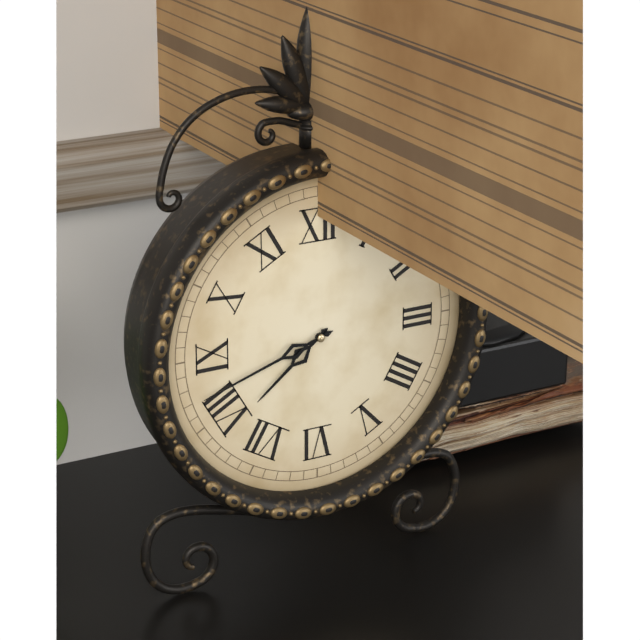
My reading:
{"hour": 7, "minute": 42}
